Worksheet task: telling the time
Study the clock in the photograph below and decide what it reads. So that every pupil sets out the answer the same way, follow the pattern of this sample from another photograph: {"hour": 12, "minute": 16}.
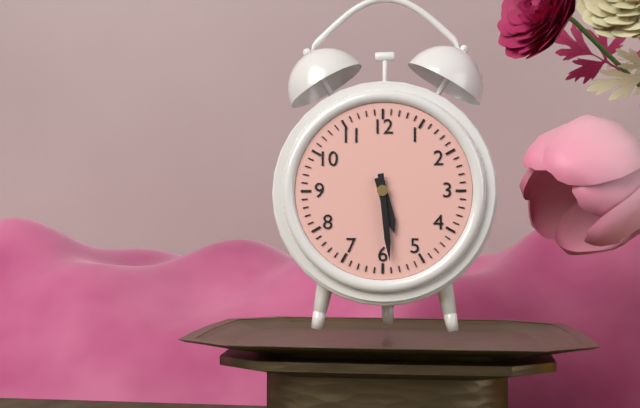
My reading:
{"hour": 5, "minute": 29}
